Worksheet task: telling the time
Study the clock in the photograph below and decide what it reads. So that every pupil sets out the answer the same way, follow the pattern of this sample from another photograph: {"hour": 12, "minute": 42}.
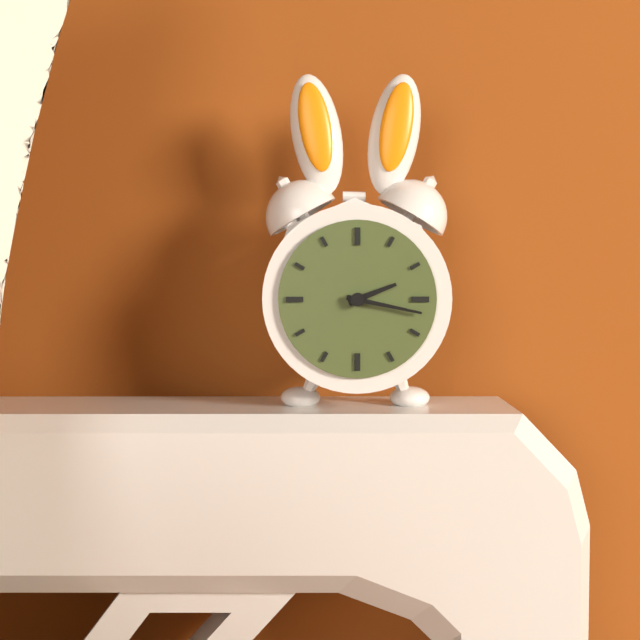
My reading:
{"hour": 2, "minute": 17}
